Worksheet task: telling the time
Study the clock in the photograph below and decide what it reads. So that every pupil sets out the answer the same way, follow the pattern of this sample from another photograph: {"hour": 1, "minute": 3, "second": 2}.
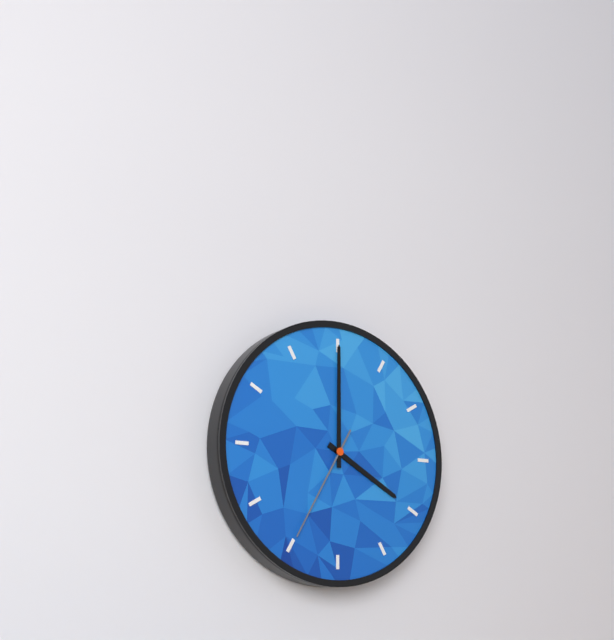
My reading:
{"hour": 4, "minute": 0, "second": 35}
